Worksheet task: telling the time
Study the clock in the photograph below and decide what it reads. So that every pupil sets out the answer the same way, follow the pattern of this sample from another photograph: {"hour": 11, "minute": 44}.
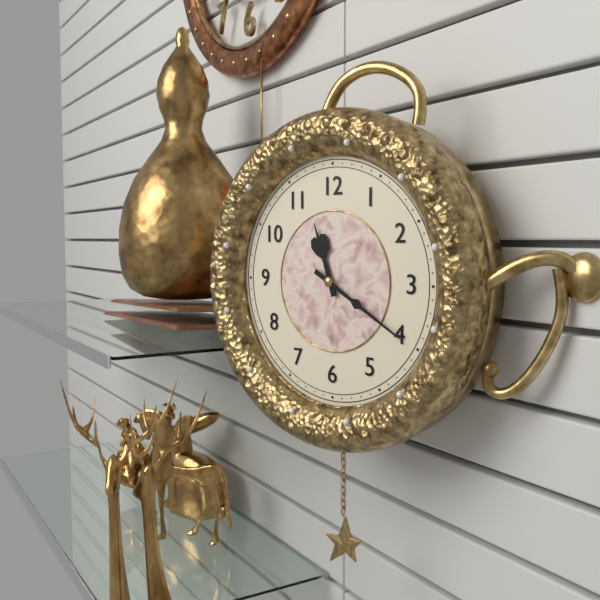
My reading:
{"hour": 11, "minute": 20}
